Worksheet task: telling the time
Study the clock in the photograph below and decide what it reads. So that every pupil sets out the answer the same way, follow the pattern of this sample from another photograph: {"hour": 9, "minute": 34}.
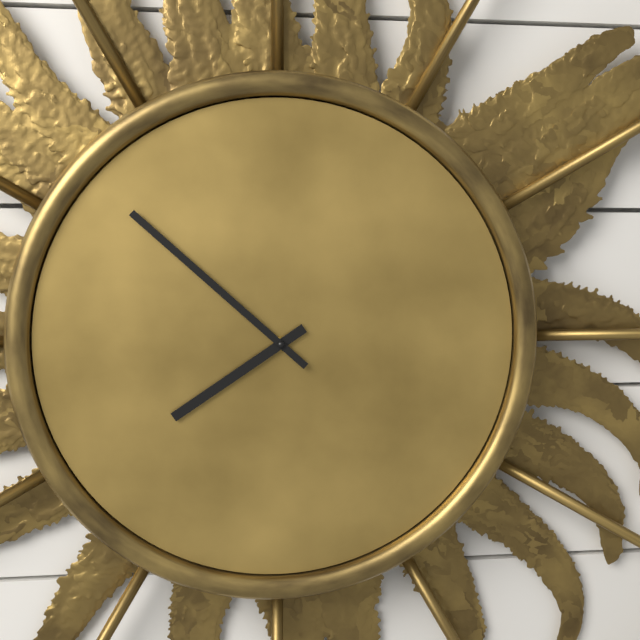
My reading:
{"hour": 7, "minute": 52}
